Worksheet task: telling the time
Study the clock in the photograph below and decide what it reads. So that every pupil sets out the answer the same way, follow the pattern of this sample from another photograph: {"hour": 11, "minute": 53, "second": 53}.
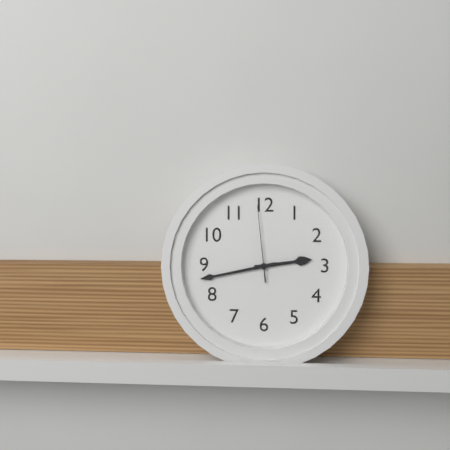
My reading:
{"hour": 2, "minute": 43, "second": 59}
